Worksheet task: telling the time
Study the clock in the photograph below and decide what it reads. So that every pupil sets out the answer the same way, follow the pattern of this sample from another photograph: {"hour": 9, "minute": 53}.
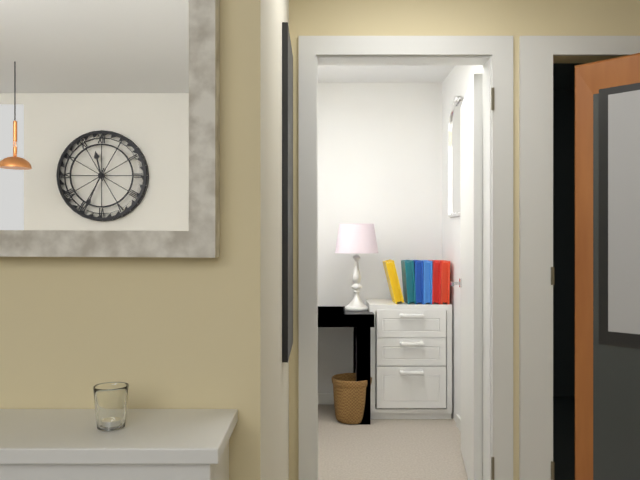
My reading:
{"hour": 11, "minute": 34}
